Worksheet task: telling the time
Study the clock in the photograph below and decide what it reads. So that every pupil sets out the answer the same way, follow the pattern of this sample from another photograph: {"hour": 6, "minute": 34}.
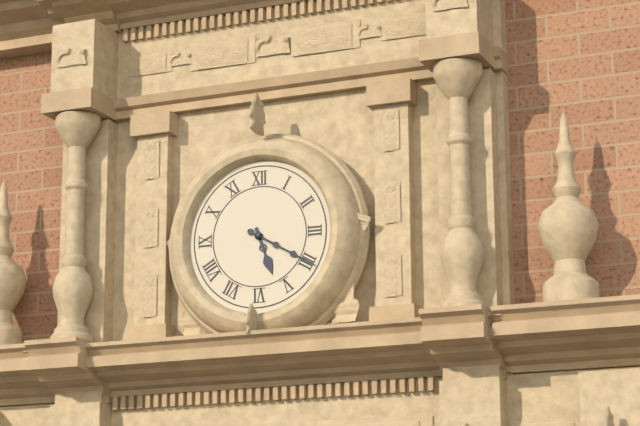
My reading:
{"hour": 5, "minute": 20}
